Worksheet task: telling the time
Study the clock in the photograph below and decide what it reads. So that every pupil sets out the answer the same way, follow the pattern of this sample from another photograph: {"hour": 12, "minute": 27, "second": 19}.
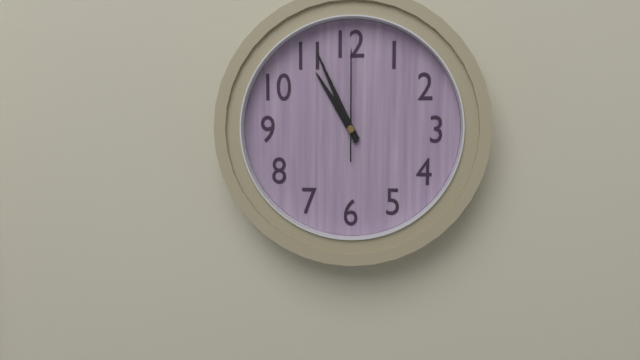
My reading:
{"hour": 10, "minute": 56, "second": 0}
